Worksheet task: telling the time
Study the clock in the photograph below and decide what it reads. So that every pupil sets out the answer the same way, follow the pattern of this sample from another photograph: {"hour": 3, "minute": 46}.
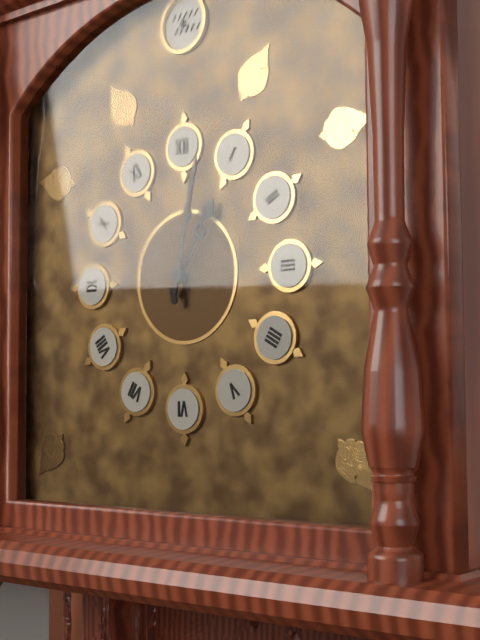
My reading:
{"hour": 1, "minute": 2}
